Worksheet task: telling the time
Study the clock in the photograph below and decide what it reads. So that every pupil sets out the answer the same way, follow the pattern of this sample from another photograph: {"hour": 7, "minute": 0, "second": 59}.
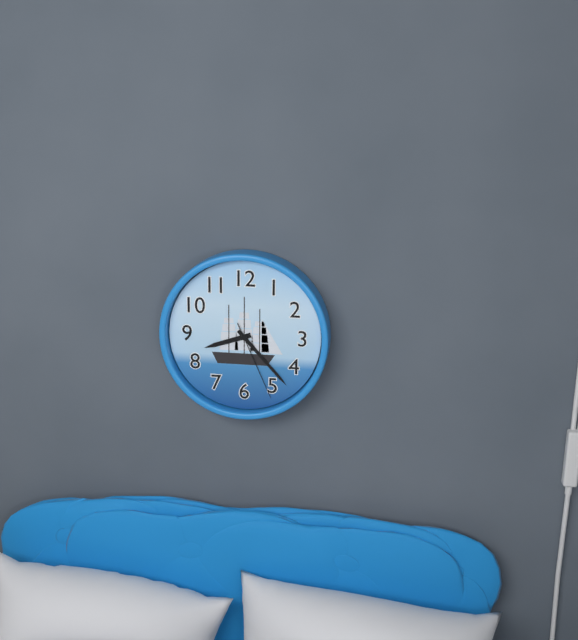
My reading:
{"hour": 8, "minute": 23, "second": 26}
